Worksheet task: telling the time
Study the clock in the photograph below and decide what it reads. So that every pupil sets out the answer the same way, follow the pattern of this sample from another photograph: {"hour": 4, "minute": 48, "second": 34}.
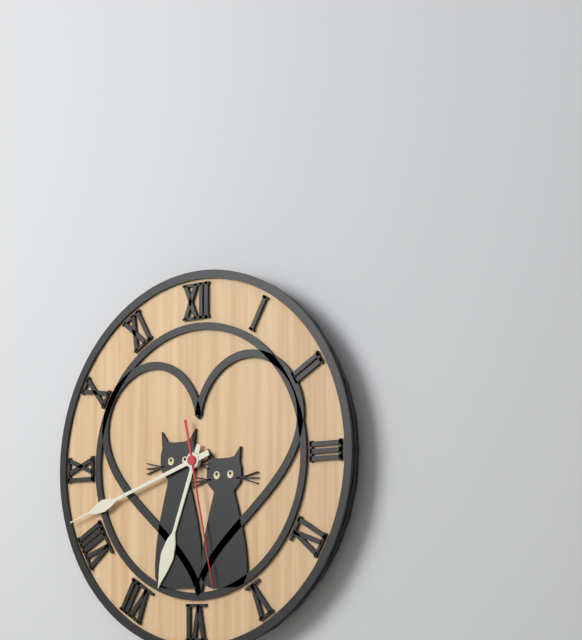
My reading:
{"hour": 6, "minute": 42, "second": 28}
